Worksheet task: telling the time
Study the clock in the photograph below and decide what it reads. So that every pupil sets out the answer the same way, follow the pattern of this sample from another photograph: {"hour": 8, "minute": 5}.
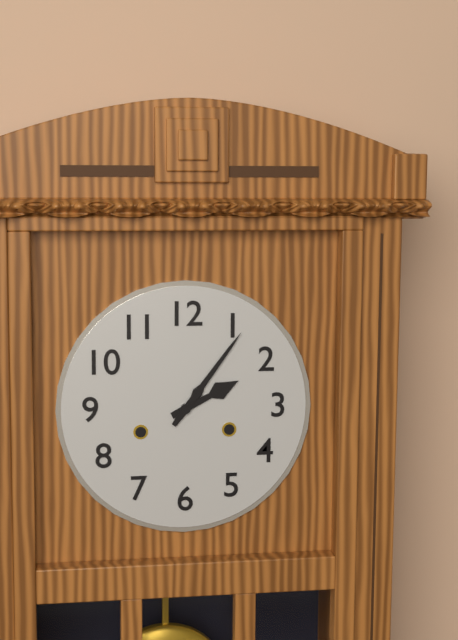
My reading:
{"hour": 2, "minute": 6}
